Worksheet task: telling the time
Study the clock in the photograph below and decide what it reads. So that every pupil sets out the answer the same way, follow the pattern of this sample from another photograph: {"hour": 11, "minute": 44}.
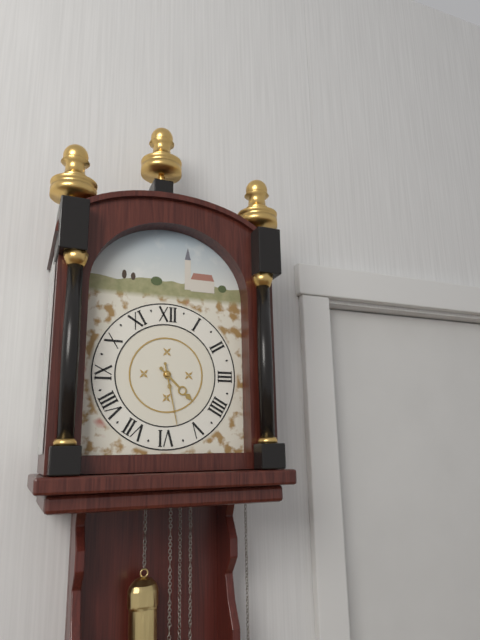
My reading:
{"hour": 4, "minute": 28}
